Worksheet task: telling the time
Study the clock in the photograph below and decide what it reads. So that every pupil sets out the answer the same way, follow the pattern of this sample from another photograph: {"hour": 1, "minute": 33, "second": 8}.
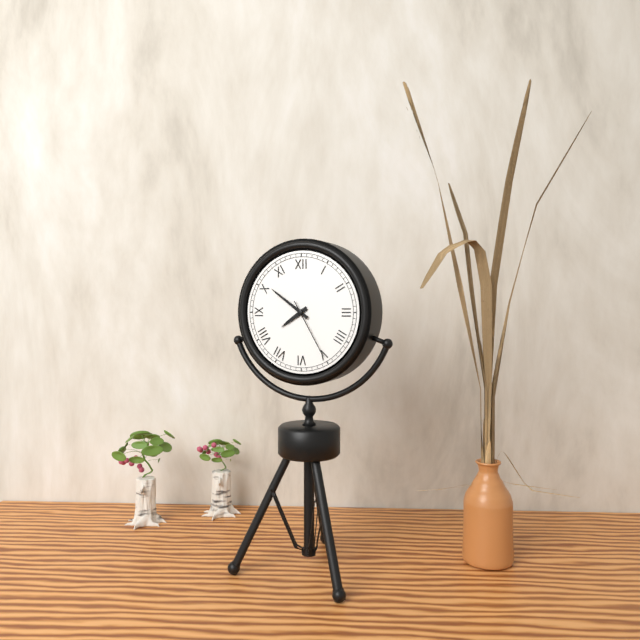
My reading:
{"hour": 7, "minute": 51, "second": 25}
